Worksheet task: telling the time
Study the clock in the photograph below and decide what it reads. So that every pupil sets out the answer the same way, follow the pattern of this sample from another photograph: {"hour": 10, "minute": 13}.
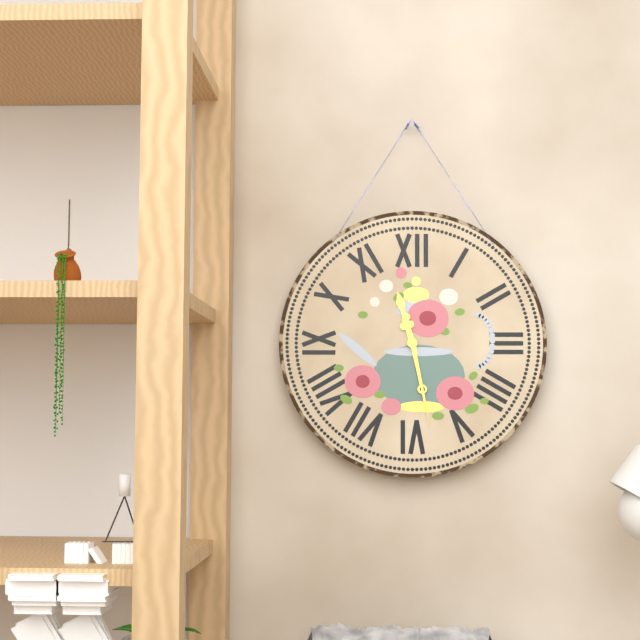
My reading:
{"hour": 11, "minute": 28}
